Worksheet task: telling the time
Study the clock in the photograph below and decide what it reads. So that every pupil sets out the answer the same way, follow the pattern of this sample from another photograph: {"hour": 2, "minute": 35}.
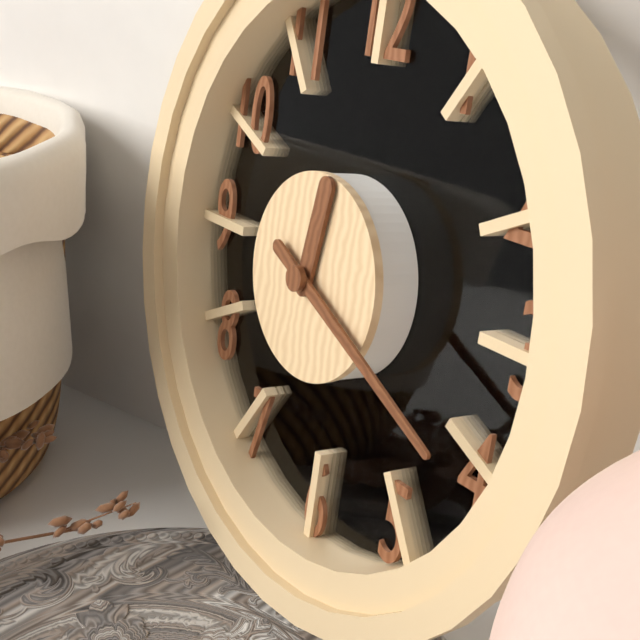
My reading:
{"hour": 12, "minute": 19}
